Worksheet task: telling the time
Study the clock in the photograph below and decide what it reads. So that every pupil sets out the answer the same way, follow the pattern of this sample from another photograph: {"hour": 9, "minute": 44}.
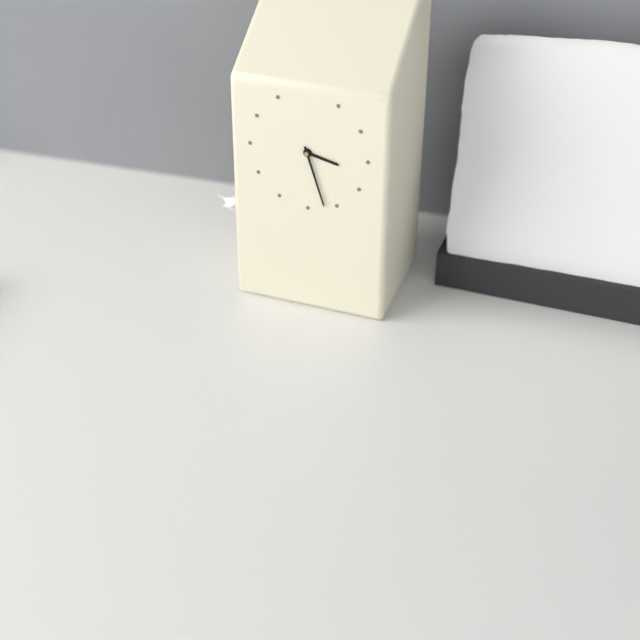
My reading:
{"hour": 3, "minute": 27}
